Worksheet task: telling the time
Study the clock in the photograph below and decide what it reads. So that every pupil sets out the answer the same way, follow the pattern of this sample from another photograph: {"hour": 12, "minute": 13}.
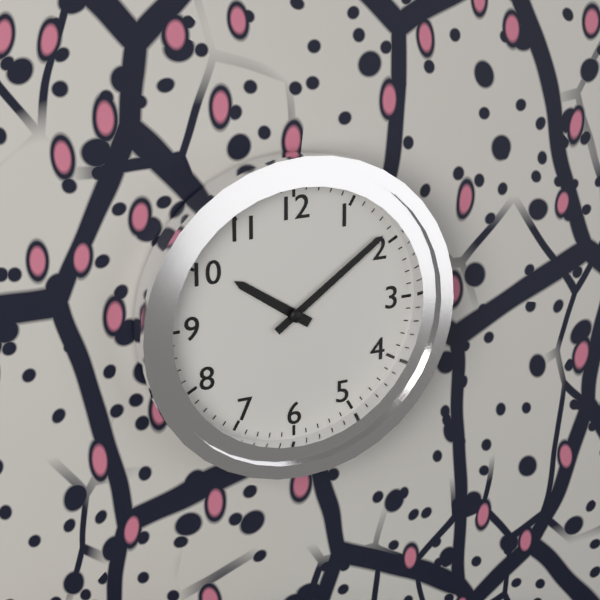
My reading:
{"hour": 10, "minute": 9}
